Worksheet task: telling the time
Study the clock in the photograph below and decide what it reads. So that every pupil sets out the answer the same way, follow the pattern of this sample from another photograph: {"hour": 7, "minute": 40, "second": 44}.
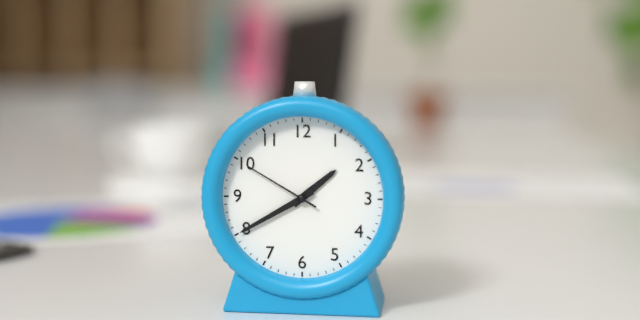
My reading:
{"hour": 1, "minute": 40, "second": 50}
